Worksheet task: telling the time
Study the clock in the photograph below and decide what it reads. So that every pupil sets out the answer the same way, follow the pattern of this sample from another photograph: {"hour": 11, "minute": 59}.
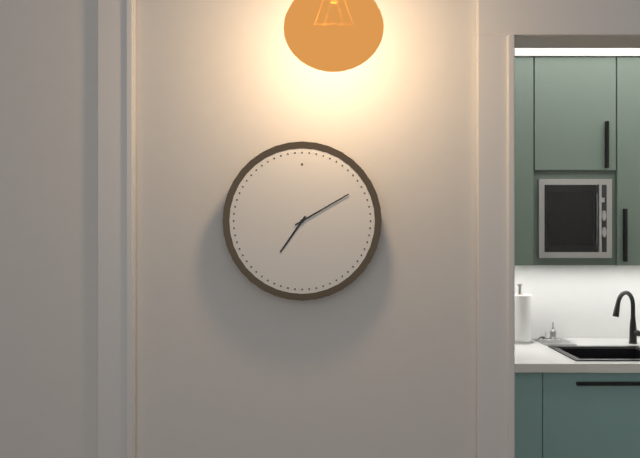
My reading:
{"hour": 7, "minute": 10}
